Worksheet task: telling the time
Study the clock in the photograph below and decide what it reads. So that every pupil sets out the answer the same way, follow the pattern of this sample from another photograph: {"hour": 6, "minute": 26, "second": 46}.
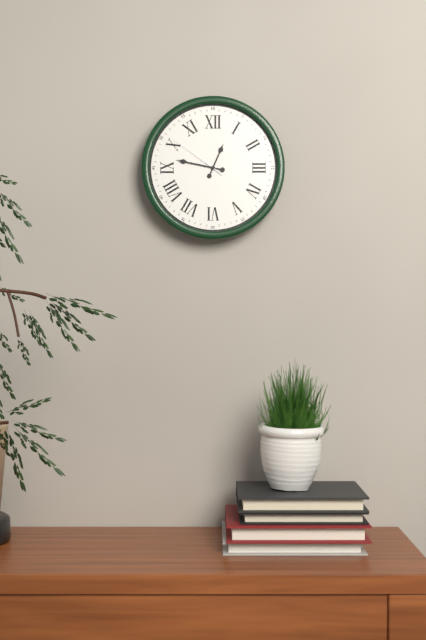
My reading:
{"hour": 12, "minute": 47, "second": 51}
